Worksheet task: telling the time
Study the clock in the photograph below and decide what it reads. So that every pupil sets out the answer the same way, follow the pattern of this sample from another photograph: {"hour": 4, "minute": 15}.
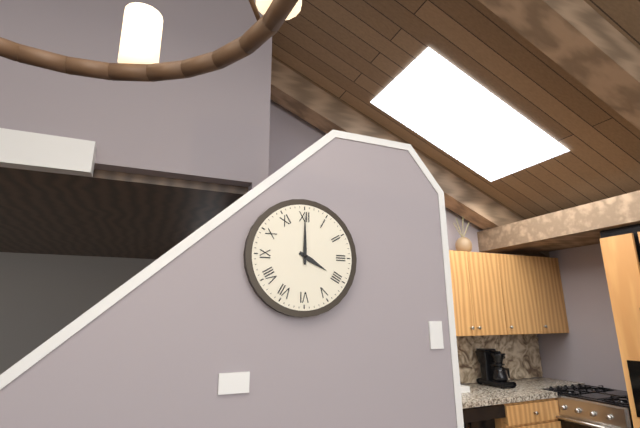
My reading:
{"hour": 4, "minute": 0}
